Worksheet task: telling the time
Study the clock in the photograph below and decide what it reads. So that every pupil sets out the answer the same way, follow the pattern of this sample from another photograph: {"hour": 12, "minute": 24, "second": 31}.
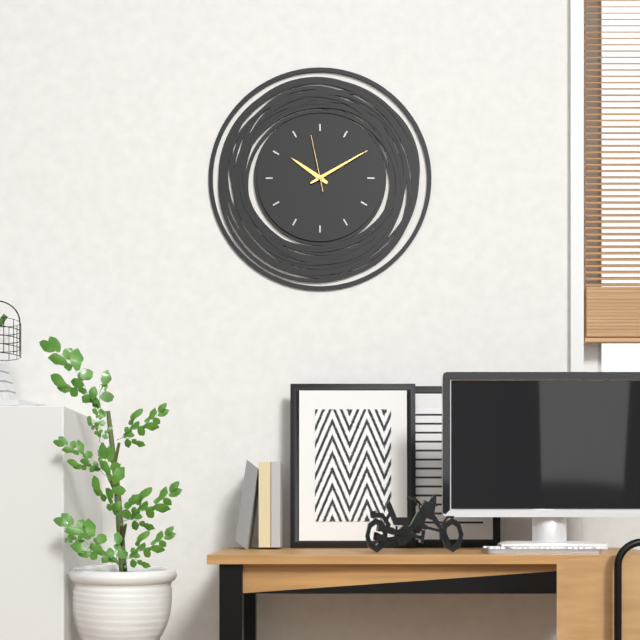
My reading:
{"hour": 10, "minute": 10, "second": 58}
